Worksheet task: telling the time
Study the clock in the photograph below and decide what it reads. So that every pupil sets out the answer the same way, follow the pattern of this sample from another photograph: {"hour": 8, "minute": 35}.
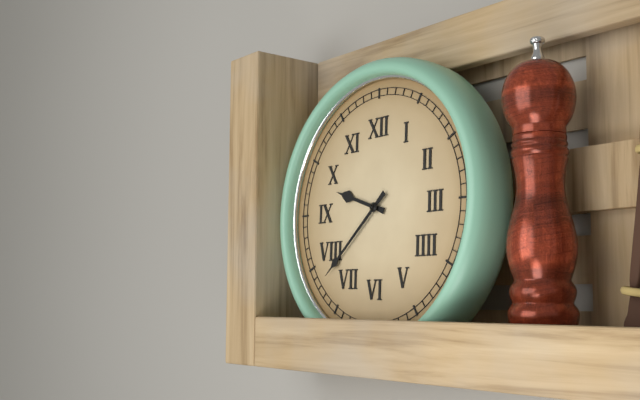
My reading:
{"hour": 9, "minute": 38}
